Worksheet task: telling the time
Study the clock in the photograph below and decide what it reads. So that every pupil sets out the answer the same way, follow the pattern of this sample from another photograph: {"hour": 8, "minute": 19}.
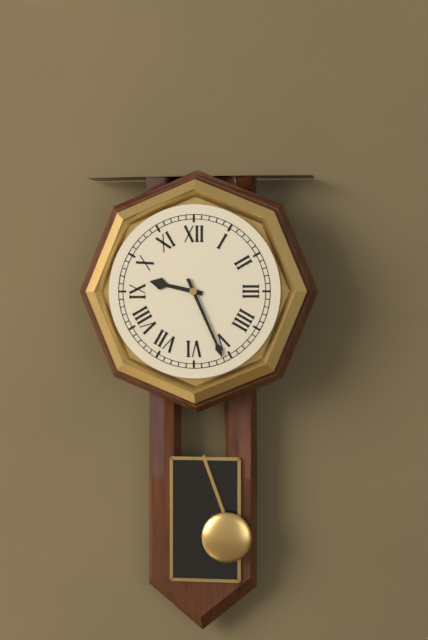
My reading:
{"hour": 9, "minute": 26}
